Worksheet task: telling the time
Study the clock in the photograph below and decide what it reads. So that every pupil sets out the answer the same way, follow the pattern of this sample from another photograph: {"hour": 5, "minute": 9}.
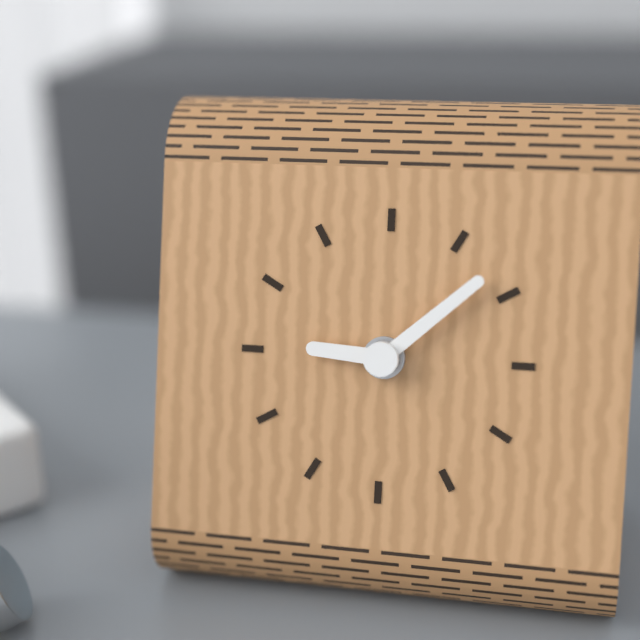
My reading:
{"hour": 9, "minute": 8}
